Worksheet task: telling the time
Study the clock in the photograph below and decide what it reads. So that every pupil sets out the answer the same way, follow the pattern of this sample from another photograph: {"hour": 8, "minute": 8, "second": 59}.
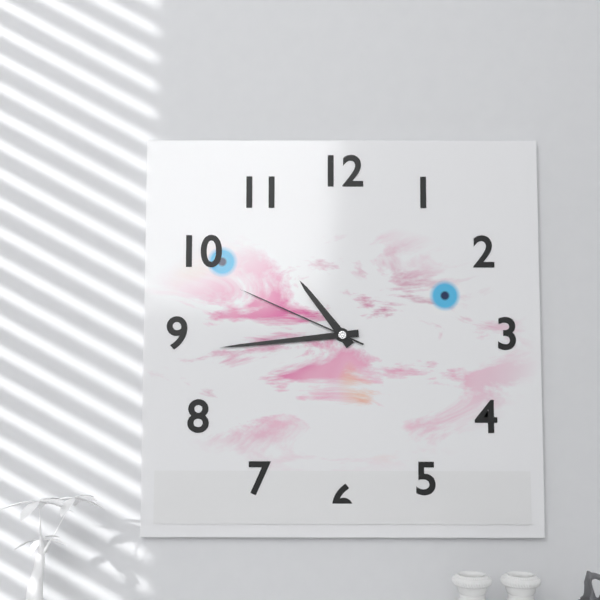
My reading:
{"hour": 10, "minute": 44, "second": 49}
